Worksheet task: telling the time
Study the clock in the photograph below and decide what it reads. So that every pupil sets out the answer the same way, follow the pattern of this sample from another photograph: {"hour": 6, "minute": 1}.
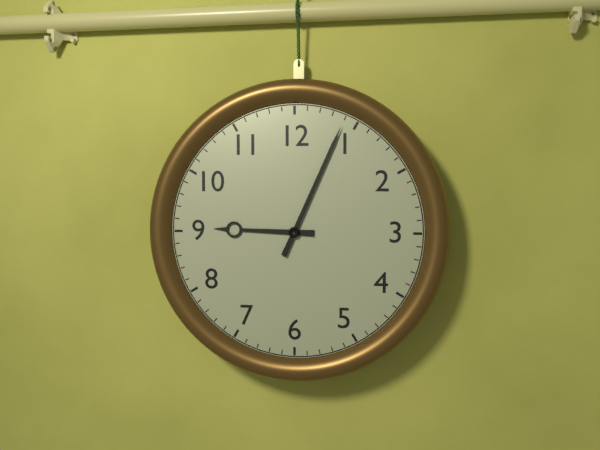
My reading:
{"hour": 9, "minute": 4}
